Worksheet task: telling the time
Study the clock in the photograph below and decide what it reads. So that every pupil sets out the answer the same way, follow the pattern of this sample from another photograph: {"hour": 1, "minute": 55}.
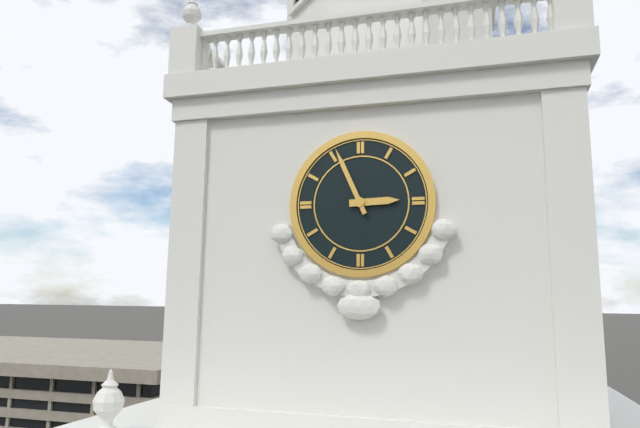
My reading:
{"hour": 2, "minute": 56}
